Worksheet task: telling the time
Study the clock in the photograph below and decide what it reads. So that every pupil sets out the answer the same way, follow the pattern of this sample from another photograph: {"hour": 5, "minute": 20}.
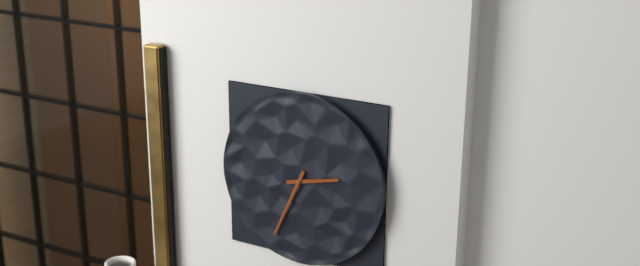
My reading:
{"hour": 2, "minute": 34}
